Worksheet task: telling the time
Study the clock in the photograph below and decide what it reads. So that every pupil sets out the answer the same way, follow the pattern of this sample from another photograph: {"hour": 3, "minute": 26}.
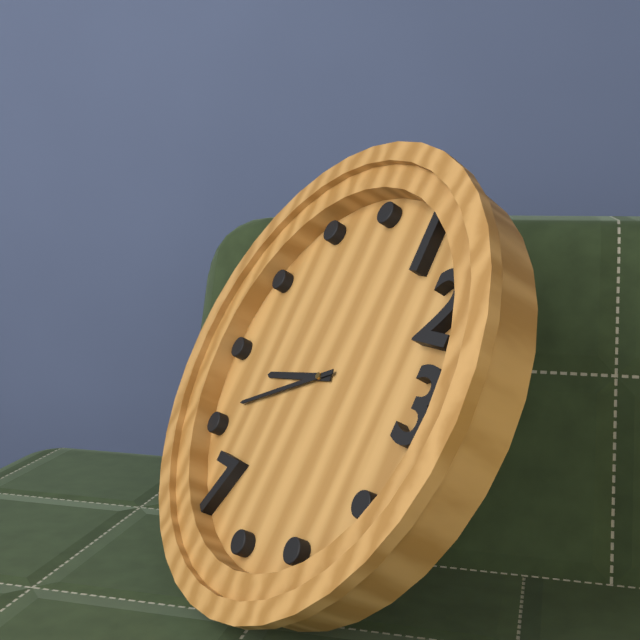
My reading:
{"hour": 8, "minute": 41}
